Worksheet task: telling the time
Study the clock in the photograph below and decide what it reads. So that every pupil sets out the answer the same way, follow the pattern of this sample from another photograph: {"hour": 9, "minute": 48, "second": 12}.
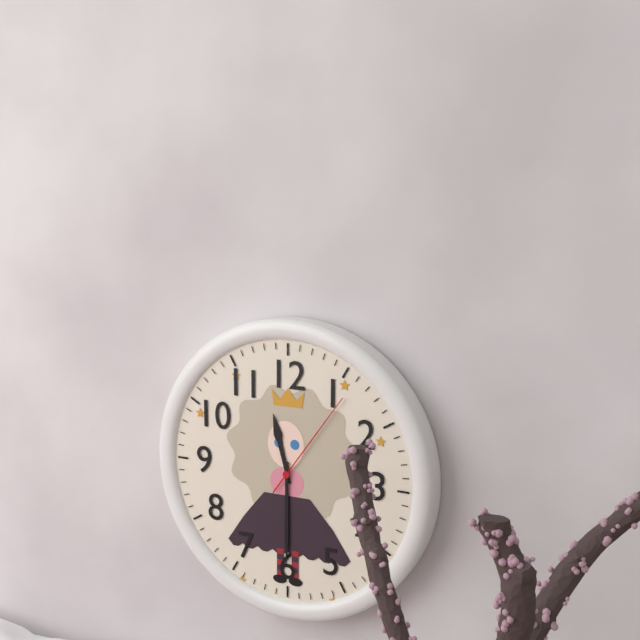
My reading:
{"hour": 11, "minute": 30, "second": 6}
